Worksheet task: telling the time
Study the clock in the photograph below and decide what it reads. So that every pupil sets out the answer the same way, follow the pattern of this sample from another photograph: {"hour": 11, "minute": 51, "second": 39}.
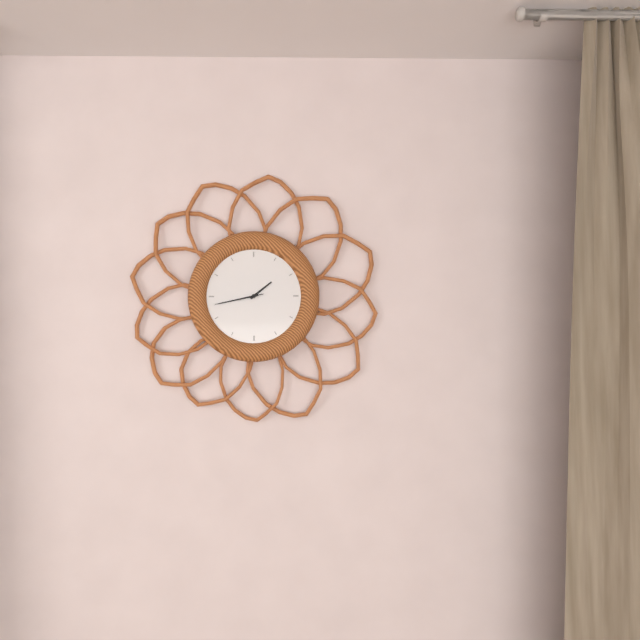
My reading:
{"hour": 1, "minute": 43, "second": 43}
